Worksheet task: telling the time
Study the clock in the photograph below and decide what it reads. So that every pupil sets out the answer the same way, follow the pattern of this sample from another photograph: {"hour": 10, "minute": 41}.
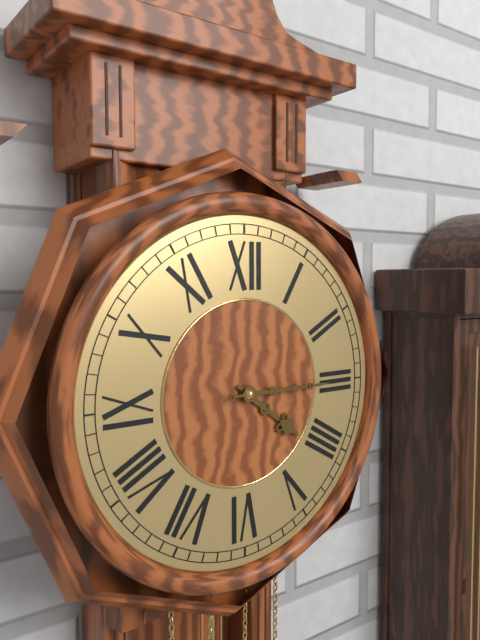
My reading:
{"hour": 4, "minute": 15}
